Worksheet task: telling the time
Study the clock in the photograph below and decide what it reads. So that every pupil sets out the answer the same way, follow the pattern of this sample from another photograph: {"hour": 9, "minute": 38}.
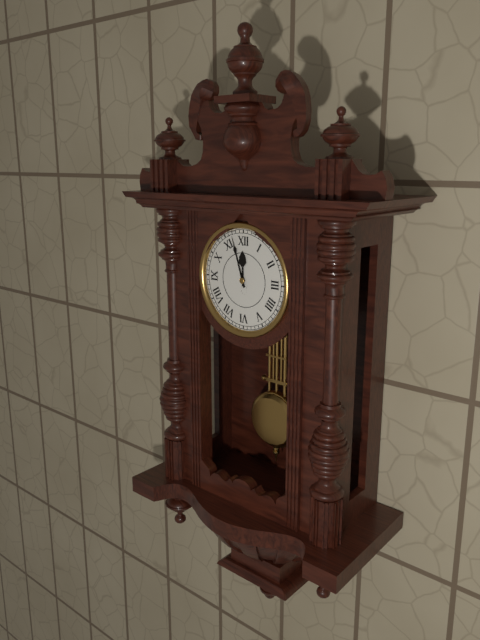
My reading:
{"hour": 11, "minute": 57}
